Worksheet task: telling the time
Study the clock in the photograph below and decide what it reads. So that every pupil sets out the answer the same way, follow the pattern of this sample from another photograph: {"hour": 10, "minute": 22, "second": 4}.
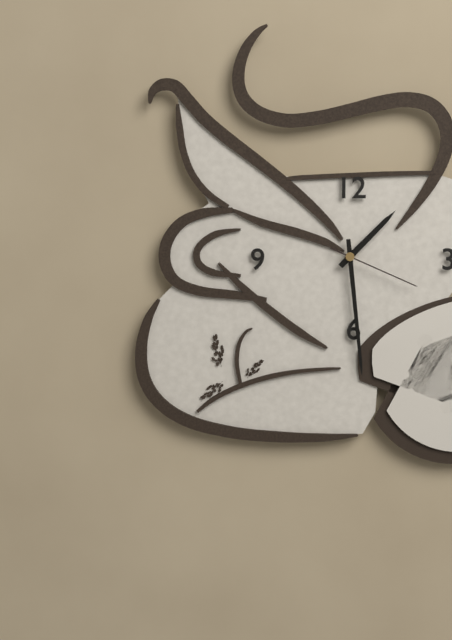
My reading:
{"hour": 1, "minute": 29, "second": 19}
